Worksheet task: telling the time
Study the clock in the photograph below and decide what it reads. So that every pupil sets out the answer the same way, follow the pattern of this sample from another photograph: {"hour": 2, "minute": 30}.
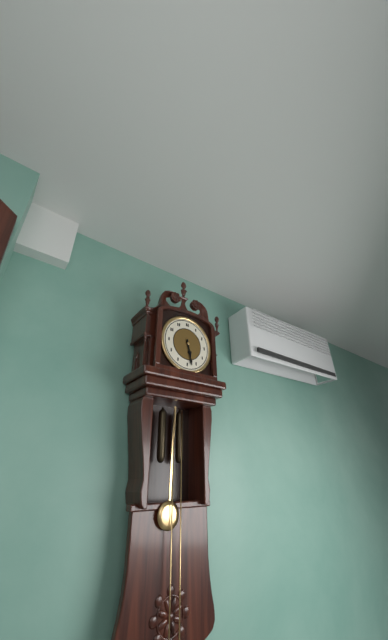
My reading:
{"hour": 5, "minute": 28}
